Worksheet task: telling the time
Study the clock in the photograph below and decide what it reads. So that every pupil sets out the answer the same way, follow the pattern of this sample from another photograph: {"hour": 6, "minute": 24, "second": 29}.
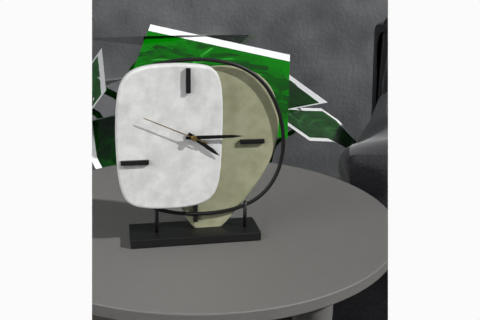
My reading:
{"hour": 4, "minute": 15, "second": 49}
